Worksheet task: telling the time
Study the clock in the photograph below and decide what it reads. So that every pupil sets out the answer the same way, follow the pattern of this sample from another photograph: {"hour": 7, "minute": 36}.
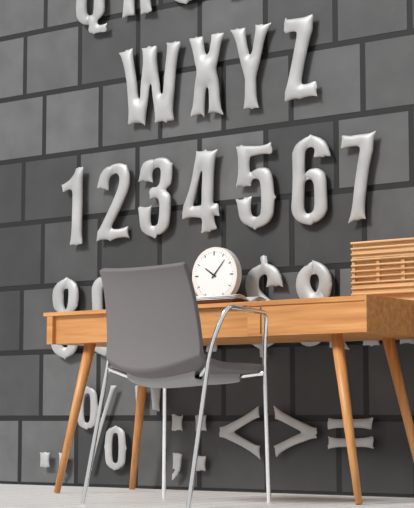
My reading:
{"hour": 10, "minute": 7}
